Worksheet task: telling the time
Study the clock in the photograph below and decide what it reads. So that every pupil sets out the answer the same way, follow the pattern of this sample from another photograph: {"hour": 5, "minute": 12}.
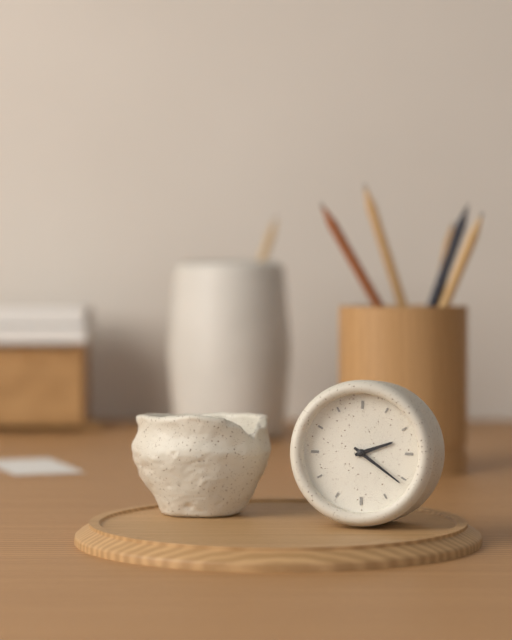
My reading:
{"hour": 2, "minute": 21}
